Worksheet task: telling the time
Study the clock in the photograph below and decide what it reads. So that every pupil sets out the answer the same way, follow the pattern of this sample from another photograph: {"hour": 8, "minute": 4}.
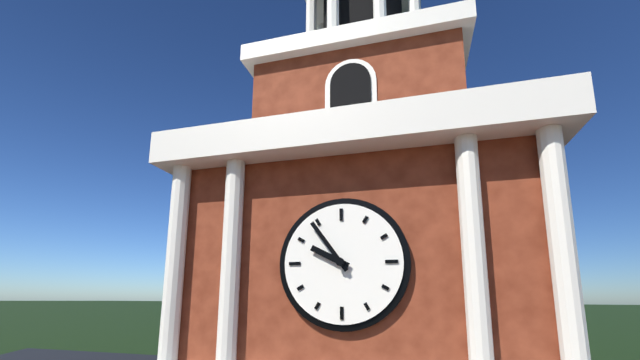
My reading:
{"hour": 9, "minute": 54}
